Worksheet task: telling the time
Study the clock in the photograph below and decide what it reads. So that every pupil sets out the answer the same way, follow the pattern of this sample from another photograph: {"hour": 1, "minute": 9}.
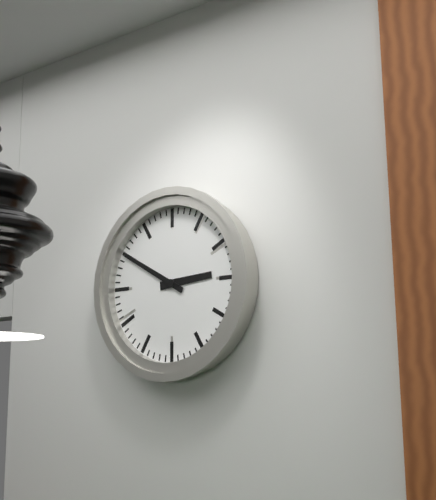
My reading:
{"hour": 2, "minute": 50}
